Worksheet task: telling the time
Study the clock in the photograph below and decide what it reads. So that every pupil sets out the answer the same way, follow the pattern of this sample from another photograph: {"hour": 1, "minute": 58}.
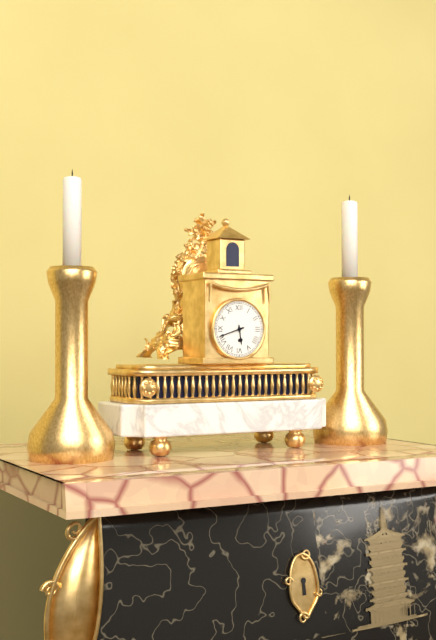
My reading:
{"hour": 5, "minute": 42}
